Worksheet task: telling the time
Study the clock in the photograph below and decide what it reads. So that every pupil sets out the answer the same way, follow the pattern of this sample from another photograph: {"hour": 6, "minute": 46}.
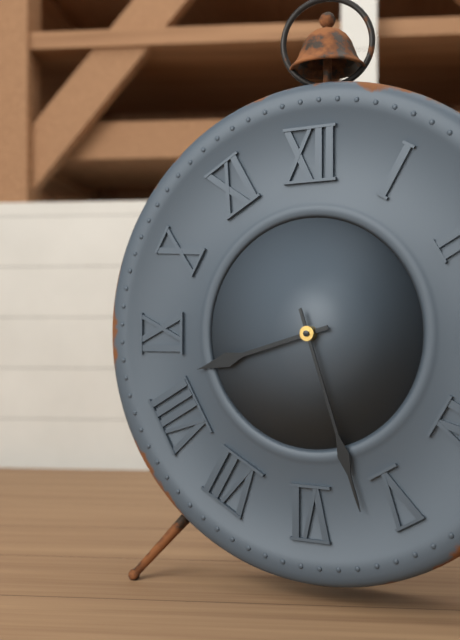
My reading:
{"hour": 8, "minute": 27}
